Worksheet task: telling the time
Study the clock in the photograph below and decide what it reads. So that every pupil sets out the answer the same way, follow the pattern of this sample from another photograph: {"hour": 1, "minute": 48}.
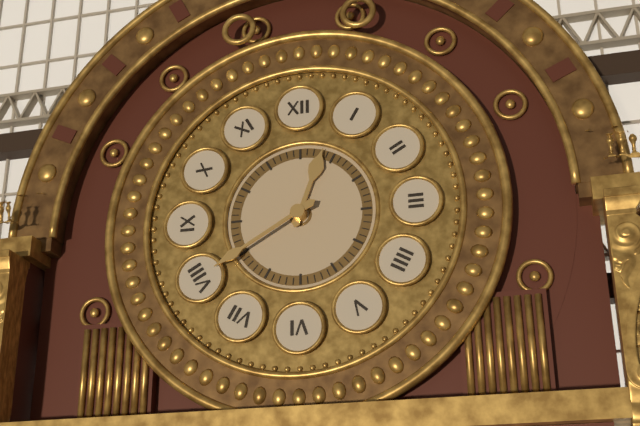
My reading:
{"hour": 12, "minute": 40}
